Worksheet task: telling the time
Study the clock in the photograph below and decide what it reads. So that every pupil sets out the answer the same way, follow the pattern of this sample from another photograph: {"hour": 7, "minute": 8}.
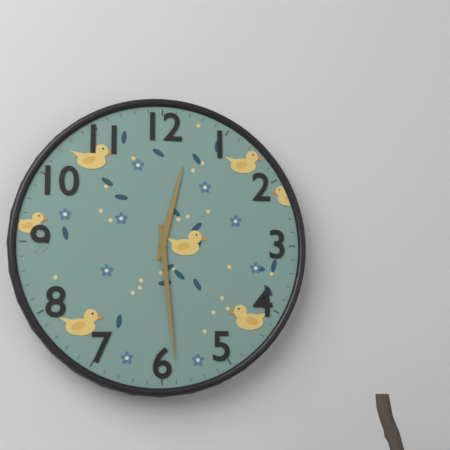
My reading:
{"hour": 12, "minute": 29}
